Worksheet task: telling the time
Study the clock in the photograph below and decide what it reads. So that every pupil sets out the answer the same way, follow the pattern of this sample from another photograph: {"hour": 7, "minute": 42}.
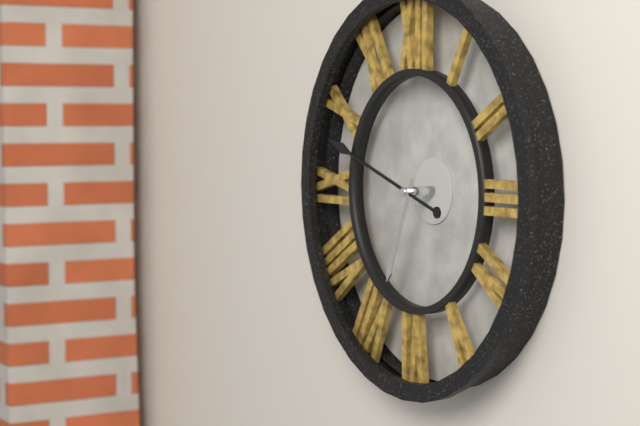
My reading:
{"hour": 6, "minute": 48}
